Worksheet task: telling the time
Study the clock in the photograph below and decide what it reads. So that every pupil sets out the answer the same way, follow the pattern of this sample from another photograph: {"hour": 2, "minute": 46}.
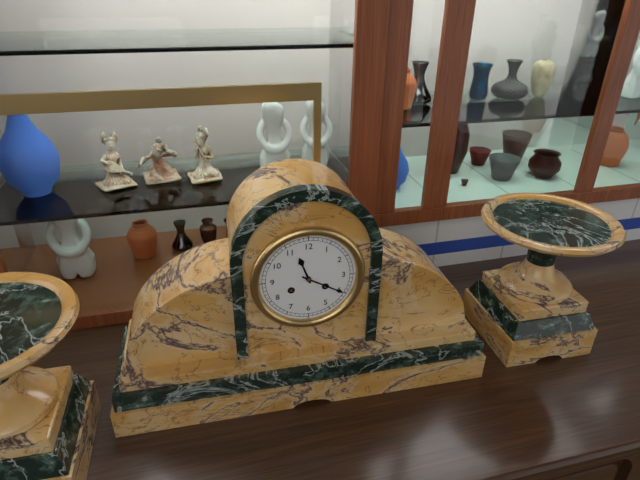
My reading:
{"hour": 11, "minute": 20}
